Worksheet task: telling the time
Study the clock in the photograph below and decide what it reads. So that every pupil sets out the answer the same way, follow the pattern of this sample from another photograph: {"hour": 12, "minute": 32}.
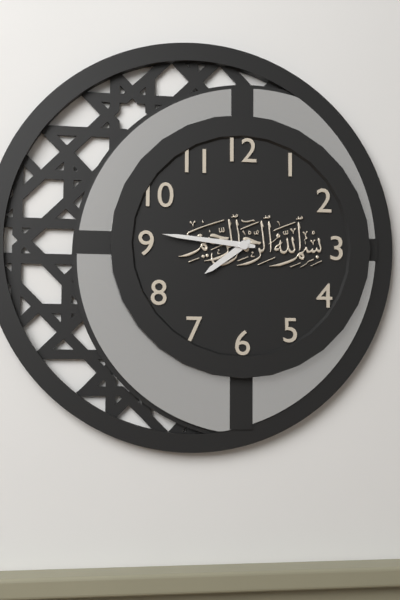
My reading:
{"hour": 7, "minute": 46}
